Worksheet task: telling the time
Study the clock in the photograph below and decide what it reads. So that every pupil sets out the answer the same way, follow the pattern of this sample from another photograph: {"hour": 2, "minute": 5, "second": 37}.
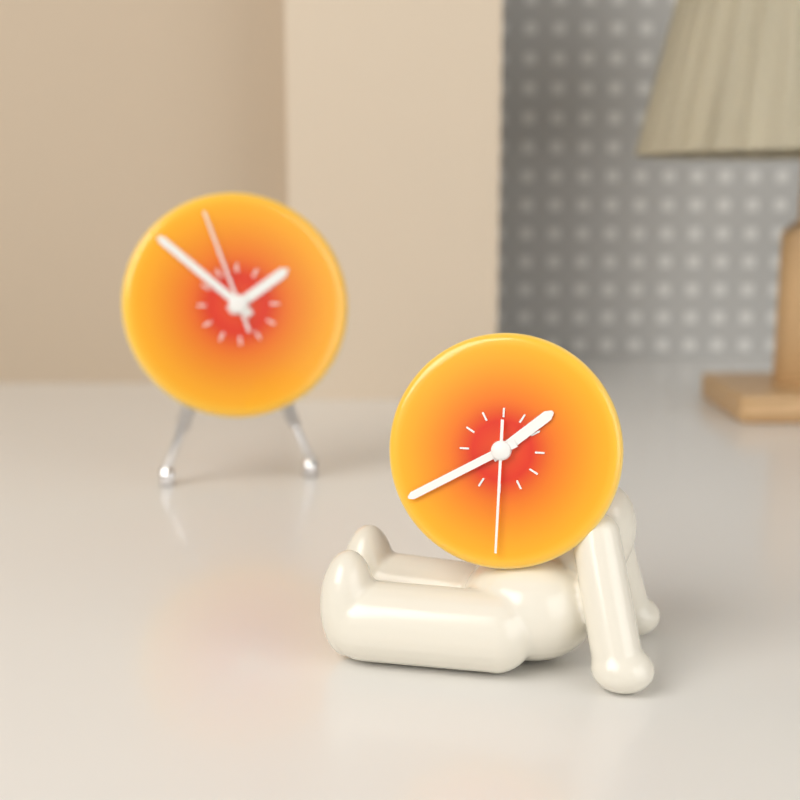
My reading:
{"hour": 1, "minute": 40, "second": 30}
